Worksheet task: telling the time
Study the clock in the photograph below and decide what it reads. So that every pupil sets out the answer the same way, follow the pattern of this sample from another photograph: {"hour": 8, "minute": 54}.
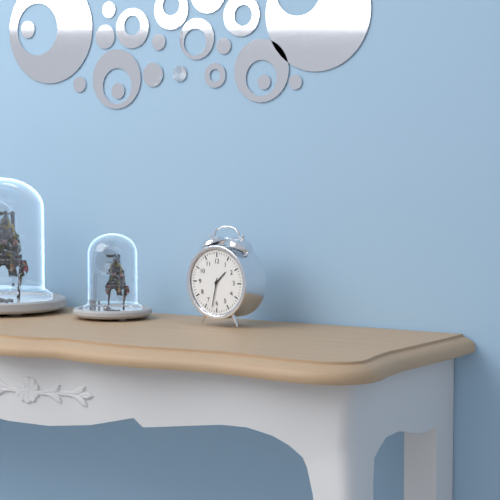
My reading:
{"hour": 1, "minute": 32}
